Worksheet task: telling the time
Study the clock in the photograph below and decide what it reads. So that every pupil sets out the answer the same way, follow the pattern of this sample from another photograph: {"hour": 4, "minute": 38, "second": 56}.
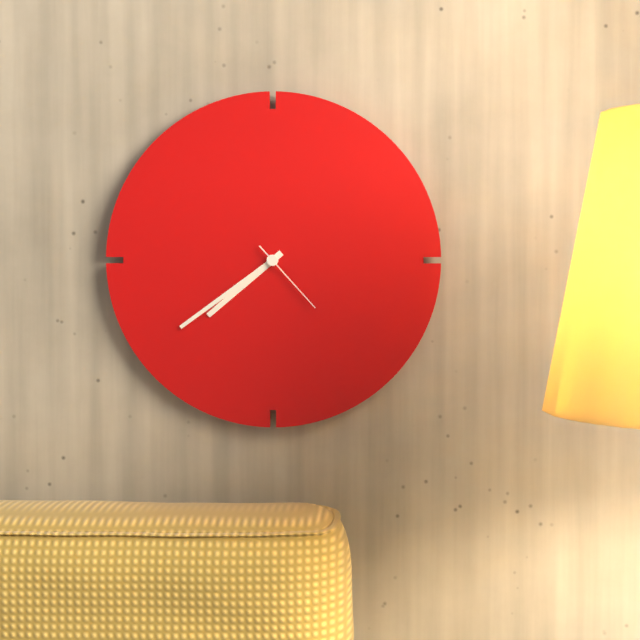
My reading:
{"hour": 7, "minute": 39, "second": 23}
